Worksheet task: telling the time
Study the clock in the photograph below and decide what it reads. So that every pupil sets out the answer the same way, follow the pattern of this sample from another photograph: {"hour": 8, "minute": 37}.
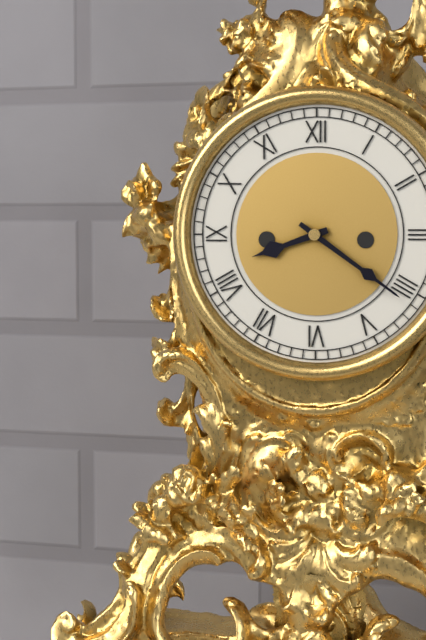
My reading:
{"hour": 8, "minute": 21}
